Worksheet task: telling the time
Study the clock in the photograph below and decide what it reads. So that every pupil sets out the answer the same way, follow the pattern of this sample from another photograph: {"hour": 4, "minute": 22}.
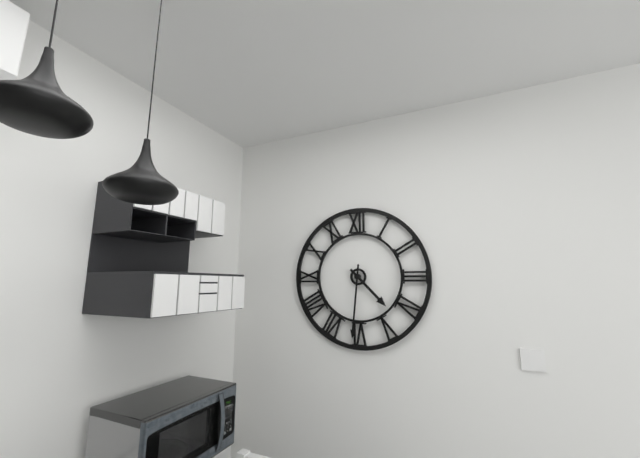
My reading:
{"hour": 4, "minute": 31}
